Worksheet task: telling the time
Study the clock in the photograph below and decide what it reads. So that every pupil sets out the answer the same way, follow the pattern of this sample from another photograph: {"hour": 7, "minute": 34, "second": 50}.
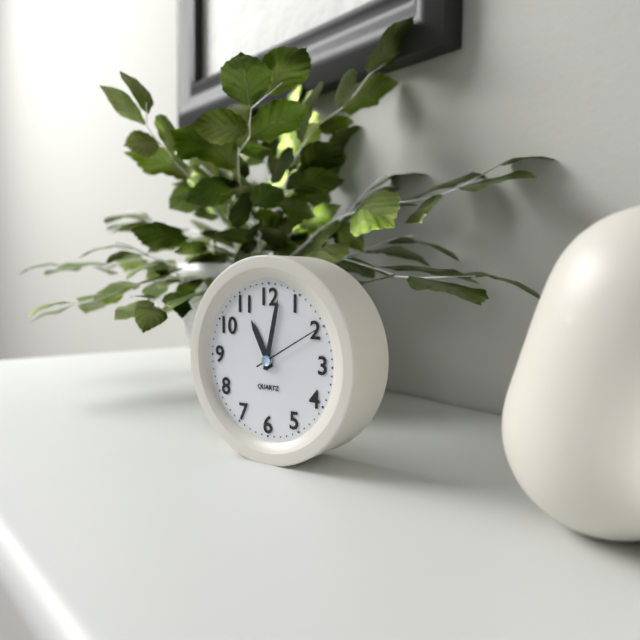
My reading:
{"hour": 11, "minute": 2, "second": 10}
